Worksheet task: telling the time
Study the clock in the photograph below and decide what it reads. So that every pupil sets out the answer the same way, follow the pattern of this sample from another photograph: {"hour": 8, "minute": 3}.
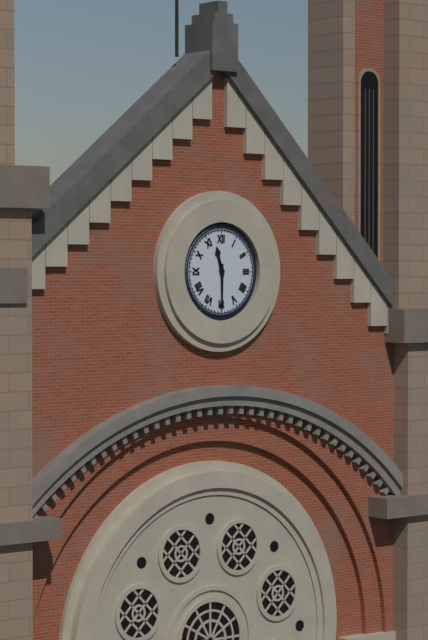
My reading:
{"hour": 11, "minute": 30}
